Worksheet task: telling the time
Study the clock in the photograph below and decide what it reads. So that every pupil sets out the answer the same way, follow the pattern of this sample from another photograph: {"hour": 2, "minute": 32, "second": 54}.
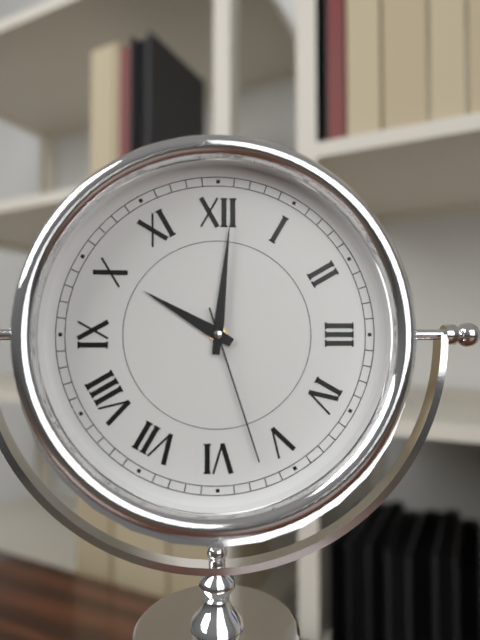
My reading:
{"hour": 10, "minute": 1, "second": 27}
